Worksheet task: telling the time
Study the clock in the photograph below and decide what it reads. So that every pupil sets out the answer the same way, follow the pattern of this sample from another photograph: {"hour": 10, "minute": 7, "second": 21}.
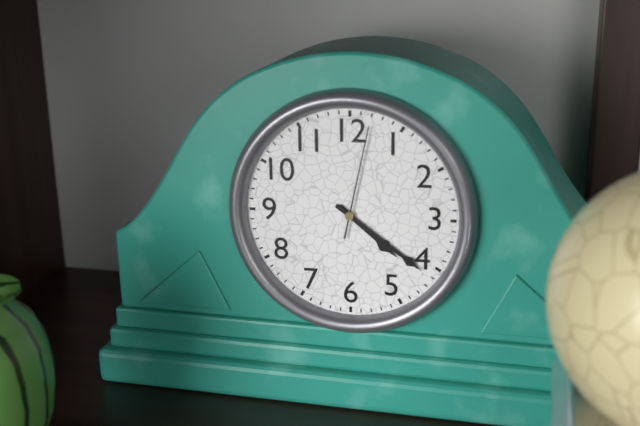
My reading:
{"hour": 4, "minute": 21, "second": 2}
